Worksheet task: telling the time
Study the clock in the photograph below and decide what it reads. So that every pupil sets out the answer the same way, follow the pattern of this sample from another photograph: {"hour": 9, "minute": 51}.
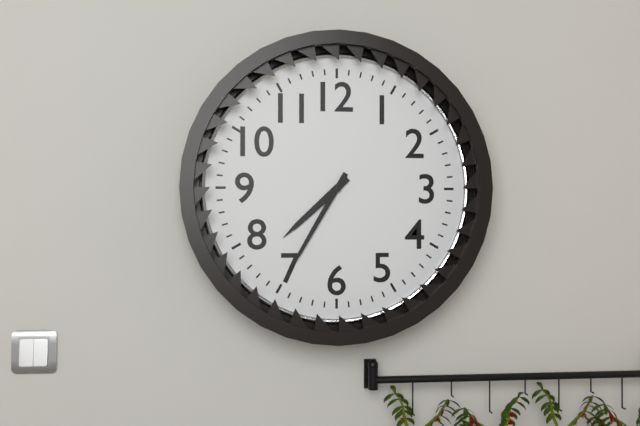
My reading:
{"hour": 7, "minute": 35}
